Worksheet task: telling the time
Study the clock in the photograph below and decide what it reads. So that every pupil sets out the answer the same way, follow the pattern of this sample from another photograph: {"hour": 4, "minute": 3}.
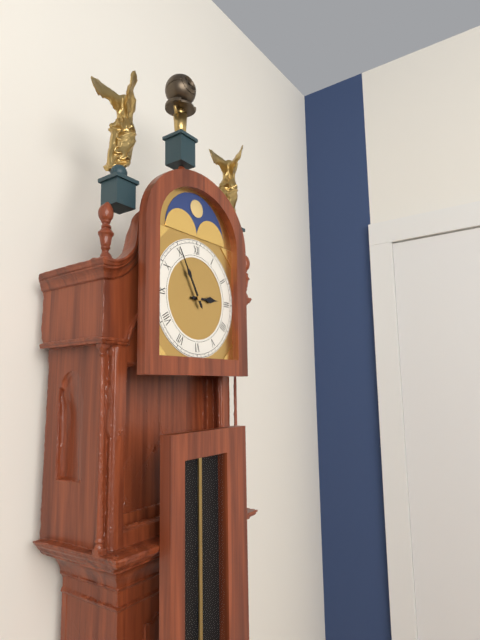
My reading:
{"hour": 2, "minute": 55}
